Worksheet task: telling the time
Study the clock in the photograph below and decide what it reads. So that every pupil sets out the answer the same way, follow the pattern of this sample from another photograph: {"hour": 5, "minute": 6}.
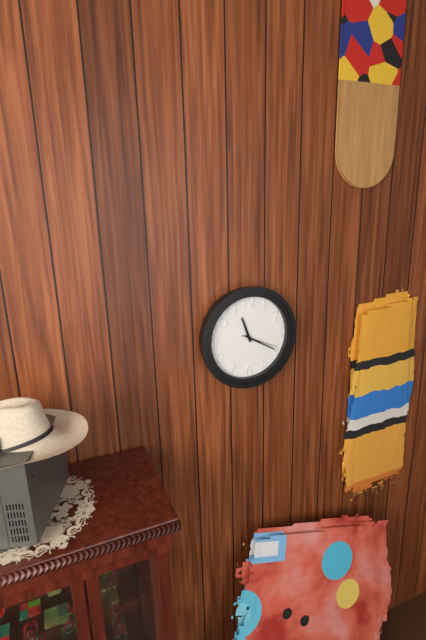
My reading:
{"hour": 11, "minute": 20}
